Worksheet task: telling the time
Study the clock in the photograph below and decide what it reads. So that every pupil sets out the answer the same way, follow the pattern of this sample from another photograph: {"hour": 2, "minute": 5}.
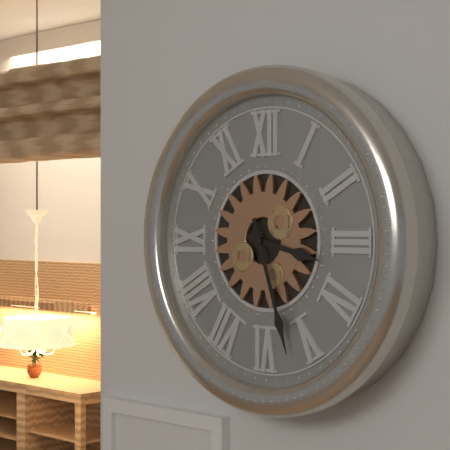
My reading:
{"hour": 3, "minute": 27}
